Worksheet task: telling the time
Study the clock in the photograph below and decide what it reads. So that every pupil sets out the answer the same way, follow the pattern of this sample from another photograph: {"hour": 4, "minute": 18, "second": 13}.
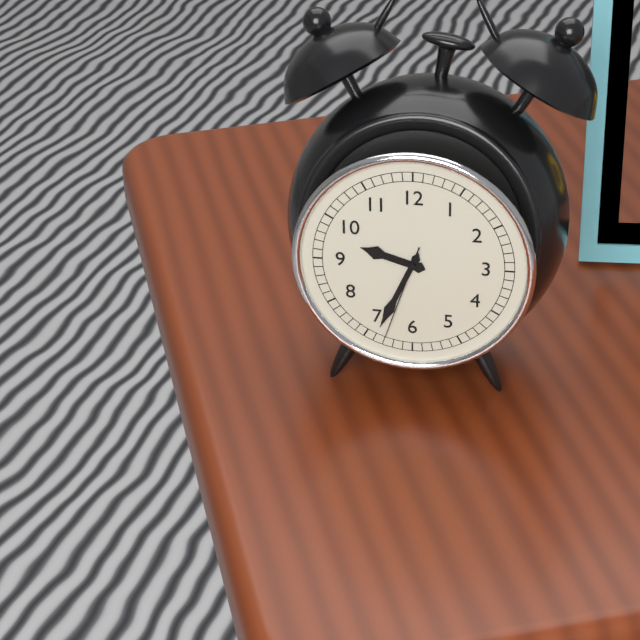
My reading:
{"hour": 9, "minute": 34, "second": 33}
